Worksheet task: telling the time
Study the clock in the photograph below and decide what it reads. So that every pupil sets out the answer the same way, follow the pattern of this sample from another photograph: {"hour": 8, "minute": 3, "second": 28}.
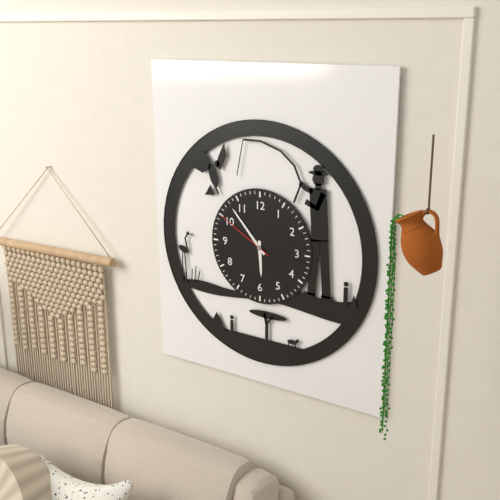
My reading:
{"hour": 5, "minute": 53, "second": 50}
